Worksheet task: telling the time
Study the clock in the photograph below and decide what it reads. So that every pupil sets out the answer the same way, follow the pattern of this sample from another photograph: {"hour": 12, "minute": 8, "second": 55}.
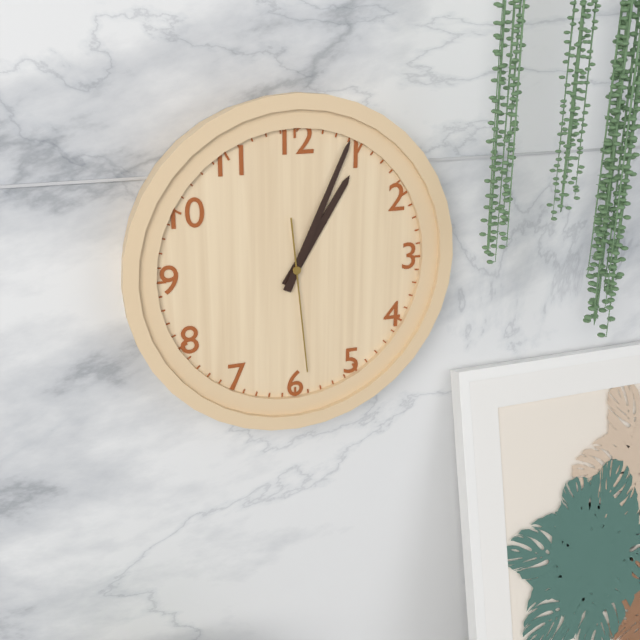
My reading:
{"hour": 1, "minute": 4, "second": 29}
